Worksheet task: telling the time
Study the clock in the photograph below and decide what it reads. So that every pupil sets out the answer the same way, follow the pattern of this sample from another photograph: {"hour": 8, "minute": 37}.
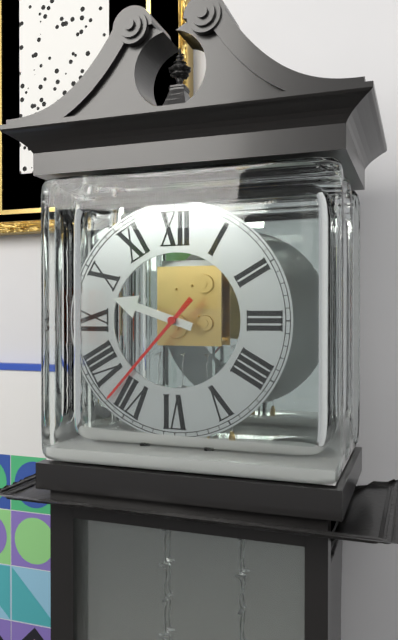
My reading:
{"hour": 9, "minute": 37}
